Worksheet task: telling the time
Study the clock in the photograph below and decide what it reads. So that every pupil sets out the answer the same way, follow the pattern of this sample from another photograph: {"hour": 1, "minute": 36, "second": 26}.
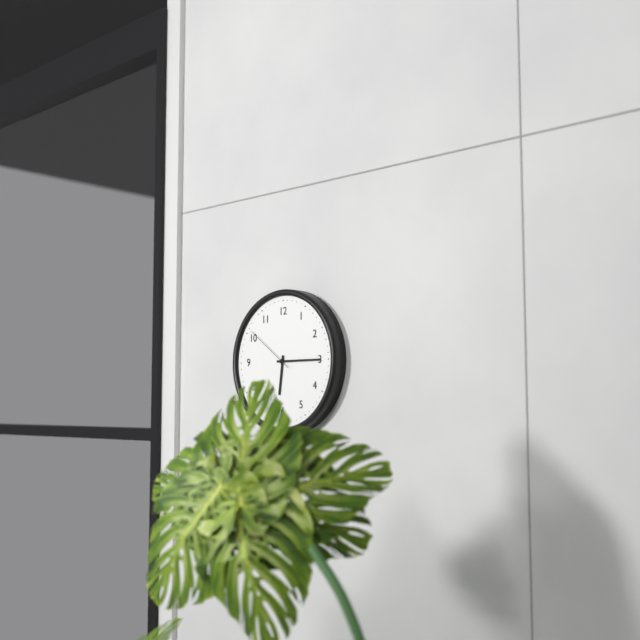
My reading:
{"hour": 6, "minute": 15, "second": 51}
